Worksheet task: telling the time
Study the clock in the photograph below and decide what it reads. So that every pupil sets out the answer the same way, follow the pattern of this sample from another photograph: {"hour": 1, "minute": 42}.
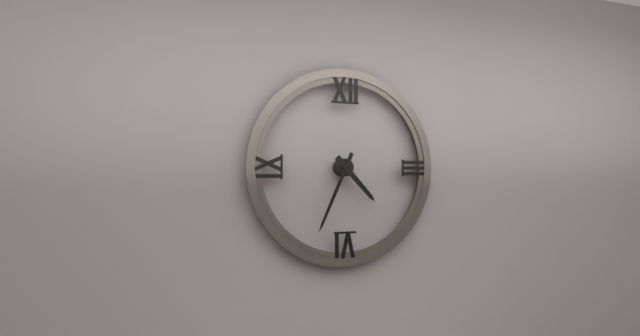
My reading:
{"hour": 4, "minute": 34}
